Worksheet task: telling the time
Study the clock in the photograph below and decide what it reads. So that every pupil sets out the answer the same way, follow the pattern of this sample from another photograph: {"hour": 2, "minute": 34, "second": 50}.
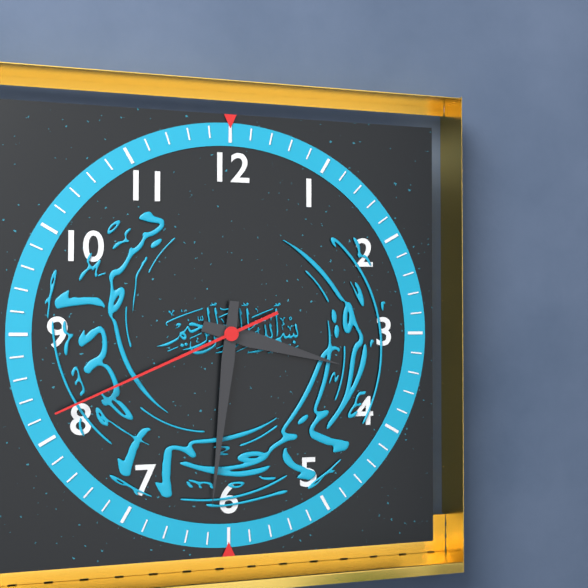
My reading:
{"hour": 3, "minute": 31, "second": 41}
